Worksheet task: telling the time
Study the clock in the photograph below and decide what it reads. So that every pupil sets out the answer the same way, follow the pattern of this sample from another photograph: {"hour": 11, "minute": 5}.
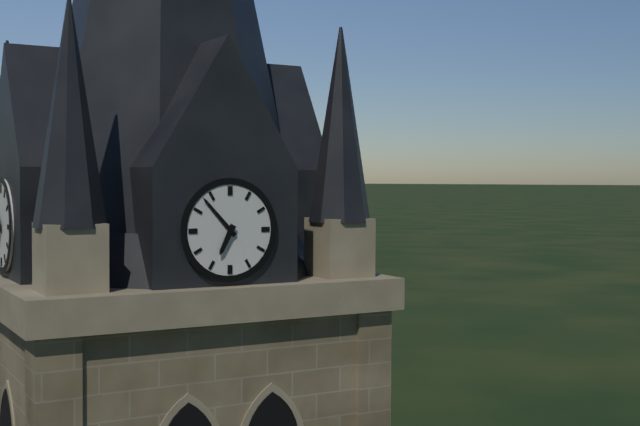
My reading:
{"hour": 6, "minute": 53}
